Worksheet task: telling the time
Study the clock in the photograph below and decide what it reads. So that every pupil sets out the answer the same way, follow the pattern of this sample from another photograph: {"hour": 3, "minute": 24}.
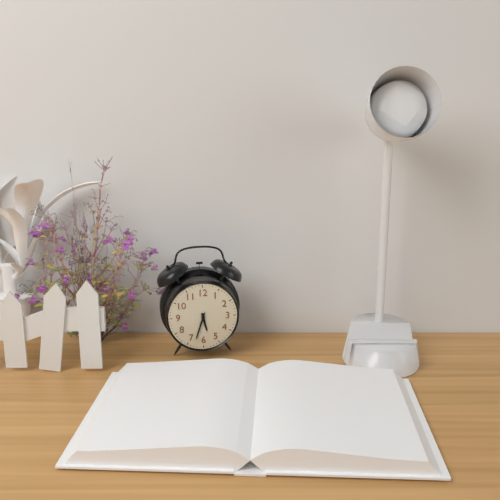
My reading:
{"hour": 5, "minute": 33}
